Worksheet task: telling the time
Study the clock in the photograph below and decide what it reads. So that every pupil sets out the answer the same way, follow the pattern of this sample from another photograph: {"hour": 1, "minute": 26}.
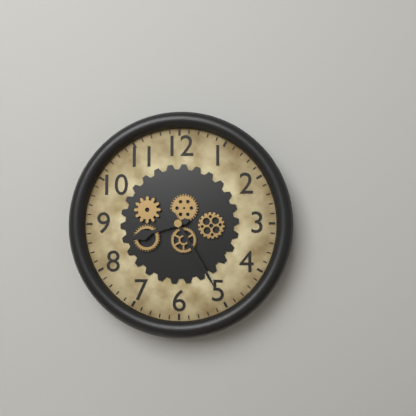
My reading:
{"hour": 8, "minute": 25}
